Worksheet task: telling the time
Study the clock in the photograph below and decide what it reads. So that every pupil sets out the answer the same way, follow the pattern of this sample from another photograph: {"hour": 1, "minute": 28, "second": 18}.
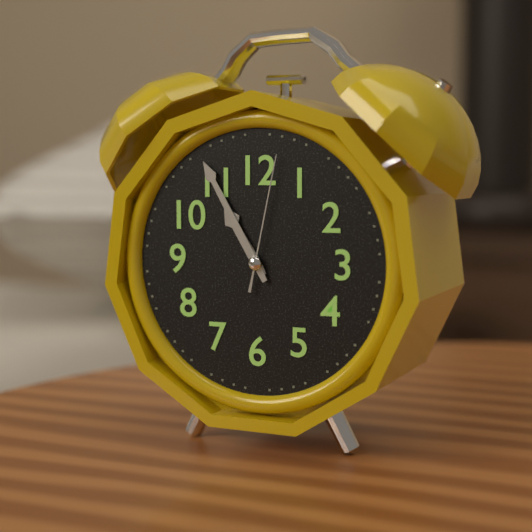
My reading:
{"hour": 10, "minute": 55, "second": 2}
